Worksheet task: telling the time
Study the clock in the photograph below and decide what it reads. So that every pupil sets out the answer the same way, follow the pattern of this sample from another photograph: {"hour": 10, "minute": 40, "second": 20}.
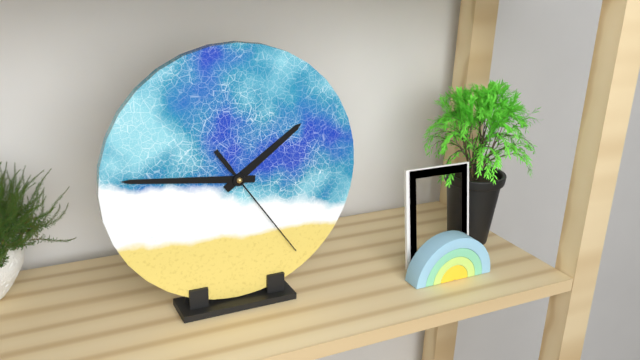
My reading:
{"hour": 1, "minute": 46, "second": 24}
